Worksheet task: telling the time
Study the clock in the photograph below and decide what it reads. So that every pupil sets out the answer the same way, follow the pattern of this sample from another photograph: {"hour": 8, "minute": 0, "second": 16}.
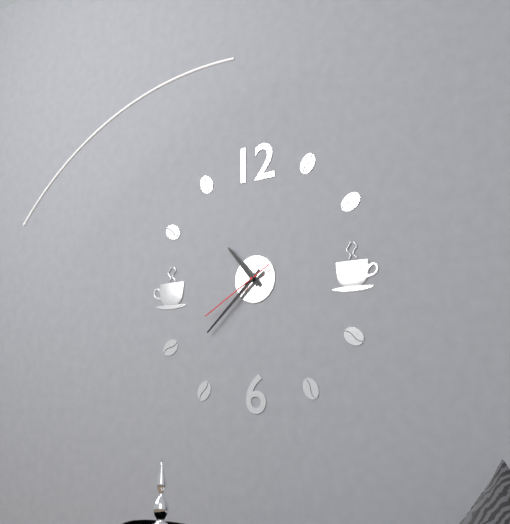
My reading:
{"hour": 10, "minute": 38, "second": 40}
